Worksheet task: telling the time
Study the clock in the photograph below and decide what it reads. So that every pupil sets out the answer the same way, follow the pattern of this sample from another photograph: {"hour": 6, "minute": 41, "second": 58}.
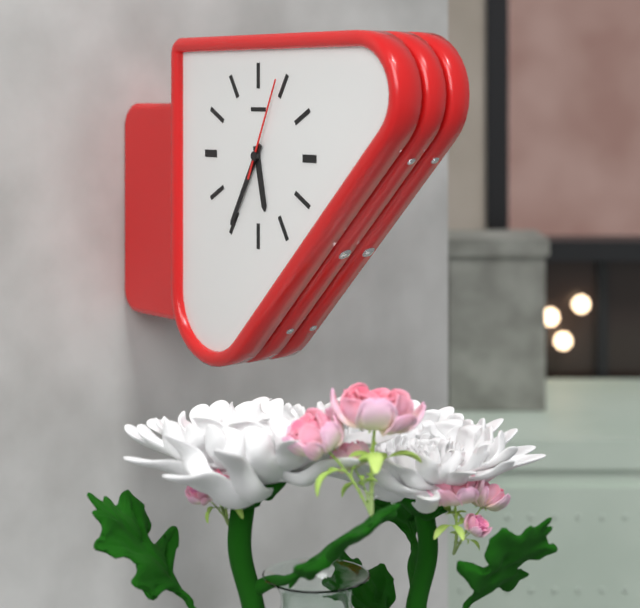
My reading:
{"hour": 5, "minute": 35, "second": 4}
